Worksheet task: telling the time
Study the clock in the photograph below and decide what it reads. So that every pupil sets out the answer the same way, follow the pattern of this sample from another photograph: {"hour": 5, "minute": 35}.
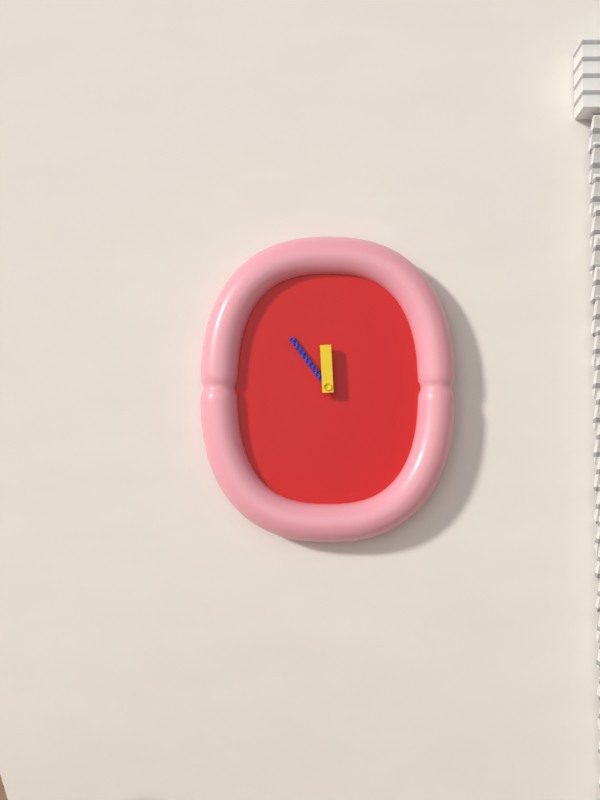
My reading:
{"hour": 11, "minute": 54}
